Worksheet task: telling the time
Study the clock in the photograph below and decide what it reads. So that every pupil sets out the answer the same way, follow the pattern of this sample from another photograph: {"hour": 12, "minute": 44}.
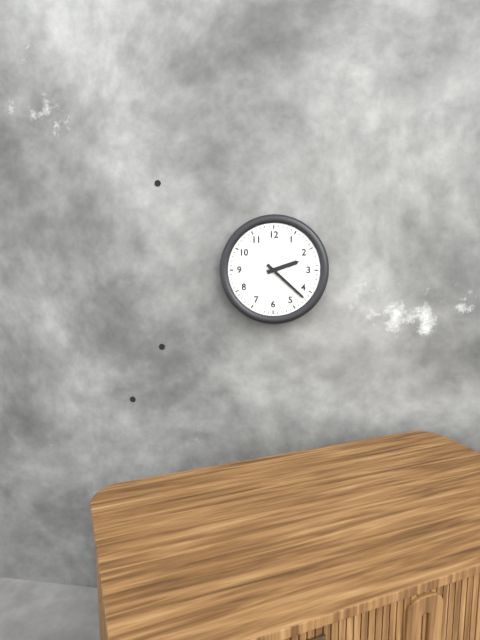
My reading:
{"hour": 2, "minute": 22}
